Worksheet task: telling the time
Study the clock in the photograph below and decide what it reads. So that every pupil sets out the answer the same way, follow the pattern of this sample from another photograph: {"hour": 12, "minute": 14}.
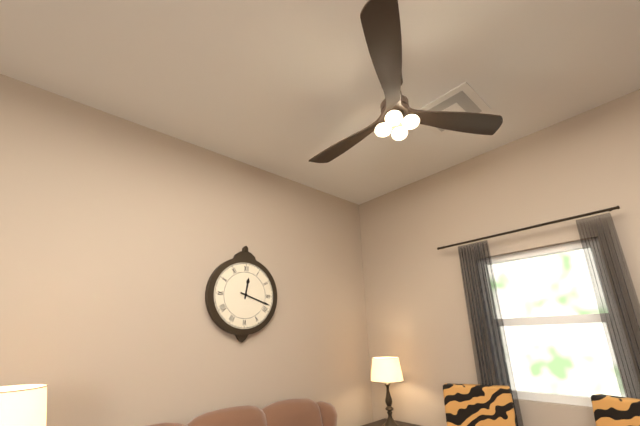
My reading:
{"hour": 12, "minute": 18}
